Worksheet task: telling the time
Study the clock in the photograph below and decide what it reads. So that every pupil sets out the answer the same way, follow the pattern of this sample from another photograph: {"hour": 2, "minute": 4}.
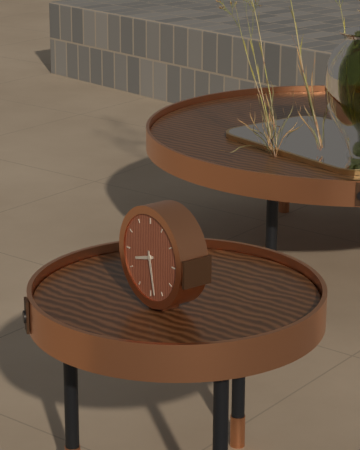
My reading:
{"hour": 8, "minute": 28}
